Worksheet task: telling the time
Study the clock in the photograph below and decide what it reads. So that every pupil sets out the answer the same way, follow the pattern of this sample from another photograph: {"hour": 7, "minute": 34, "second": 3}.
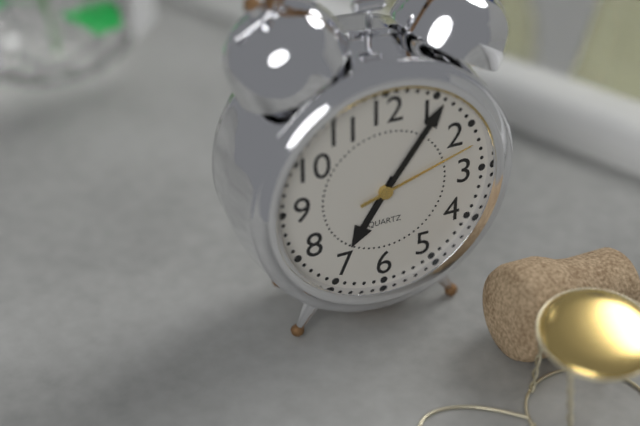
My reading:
{"hour": 7, "minute": 6, "second": 12}
